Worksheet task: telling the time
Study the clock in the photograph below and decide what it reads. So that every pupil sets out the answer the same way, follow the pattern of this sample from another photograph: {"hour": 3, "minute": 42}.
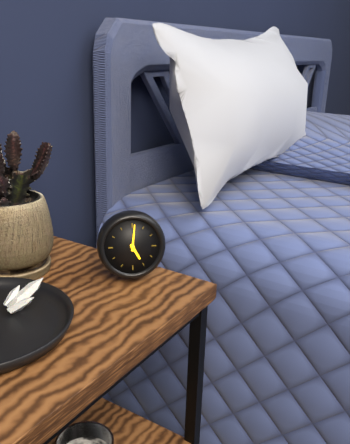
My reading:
{"hour": 5, "minute": 1}
